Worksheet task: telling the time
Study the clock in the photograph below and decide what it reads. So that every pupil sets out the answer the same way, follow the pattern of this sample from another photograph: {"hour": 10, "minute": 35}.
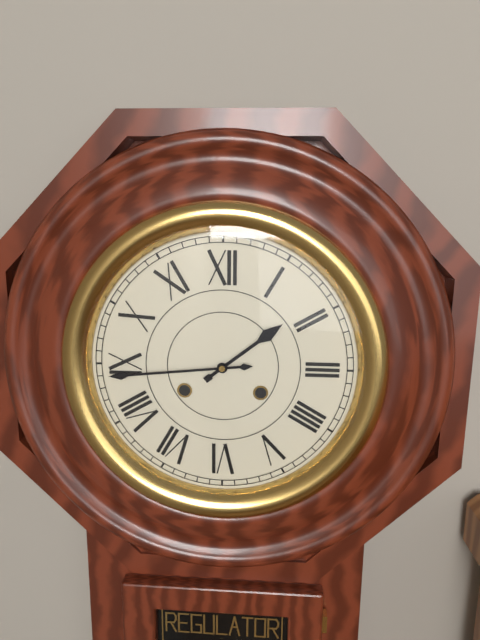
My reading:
{"hour": 1, "minute": 44}
